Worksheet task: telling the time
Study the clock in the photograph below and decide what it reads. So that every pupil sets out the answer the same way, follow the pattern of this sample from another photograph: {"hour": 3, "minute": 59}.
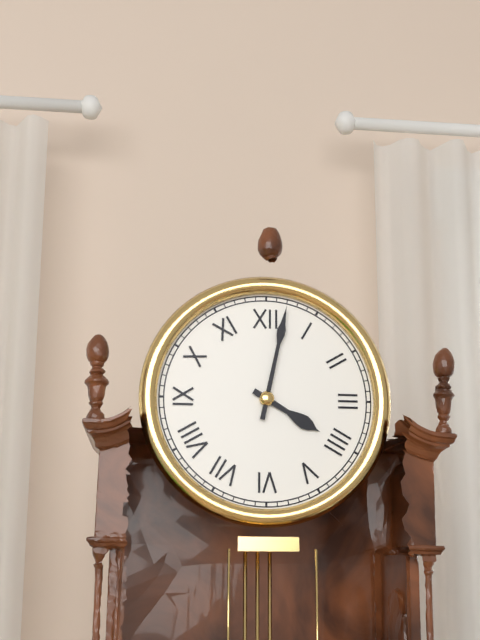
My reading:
{"hour": 4, "minute": 2}
